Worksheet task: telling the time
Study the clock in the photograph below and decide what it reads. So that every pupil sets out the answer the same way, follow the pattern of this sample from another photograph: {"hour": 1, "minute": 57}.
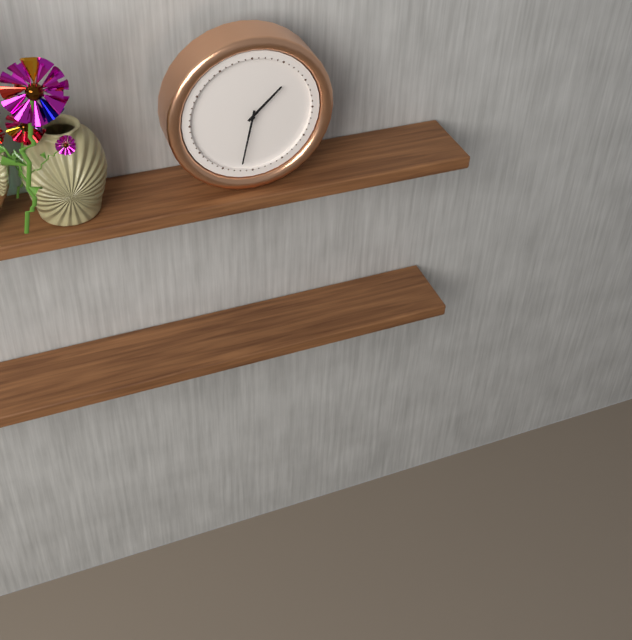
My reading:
{"hour": 1, "minute": 32}
